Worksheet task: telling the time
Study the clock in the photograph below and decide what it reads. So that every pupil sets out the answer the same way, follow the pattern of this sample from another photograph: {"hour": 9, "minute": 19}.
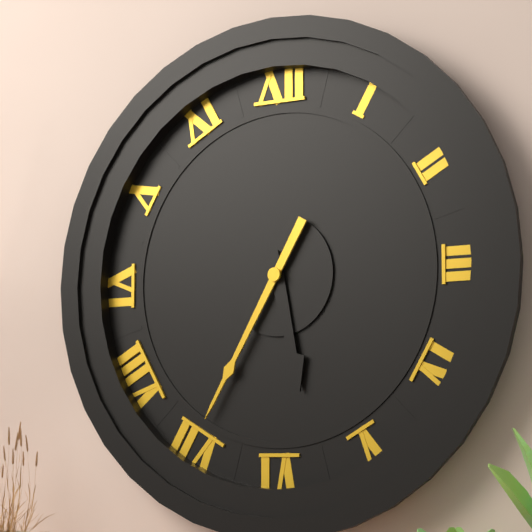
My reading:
{"hour": 5, "minute": 35}
